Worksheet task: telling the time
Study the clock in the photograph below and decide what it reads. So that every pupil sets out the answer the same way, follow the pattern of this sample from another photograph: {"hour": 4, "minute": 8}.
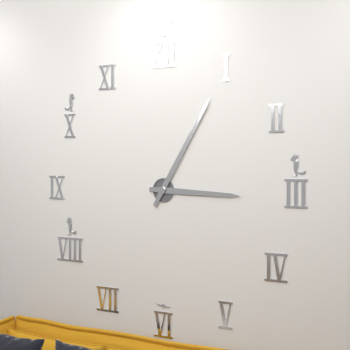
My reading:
{"hour": 3, "minute": 5}
